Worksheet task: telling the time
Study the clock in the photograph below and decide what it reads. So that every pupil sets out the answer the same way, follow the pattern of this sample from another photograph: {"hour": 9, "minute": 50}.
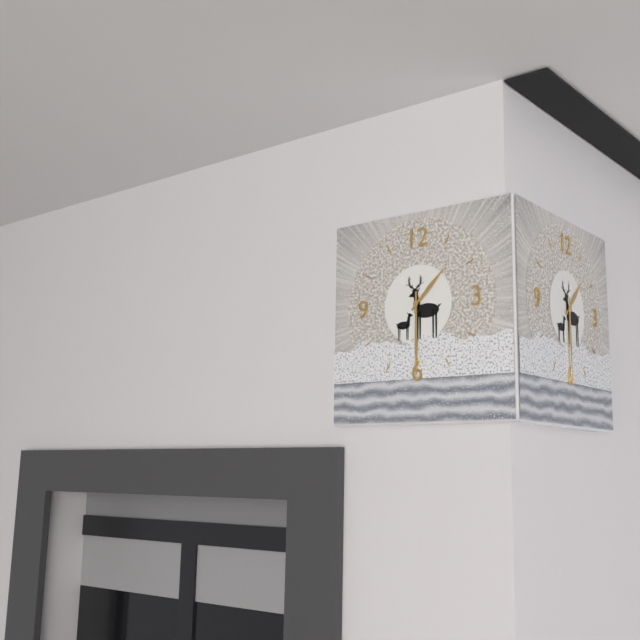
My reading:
{"hour": 1, "minute": 30}
